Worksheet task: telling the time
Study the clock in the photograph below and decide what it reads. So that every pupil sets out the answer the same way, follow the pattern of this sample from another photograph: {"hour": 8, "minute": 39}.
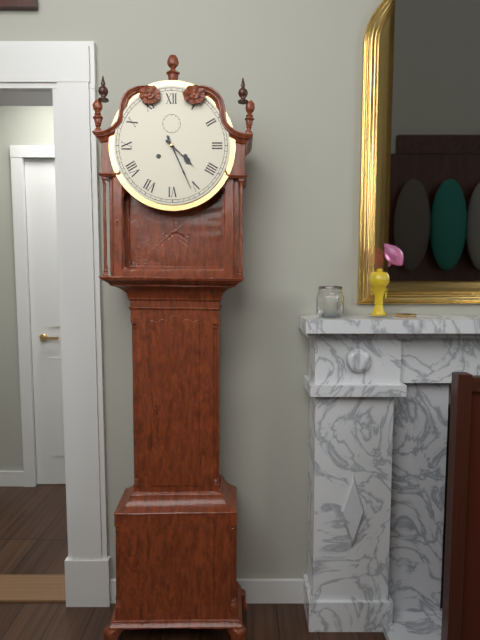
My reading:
{"hour": 4, "minute": 26}
